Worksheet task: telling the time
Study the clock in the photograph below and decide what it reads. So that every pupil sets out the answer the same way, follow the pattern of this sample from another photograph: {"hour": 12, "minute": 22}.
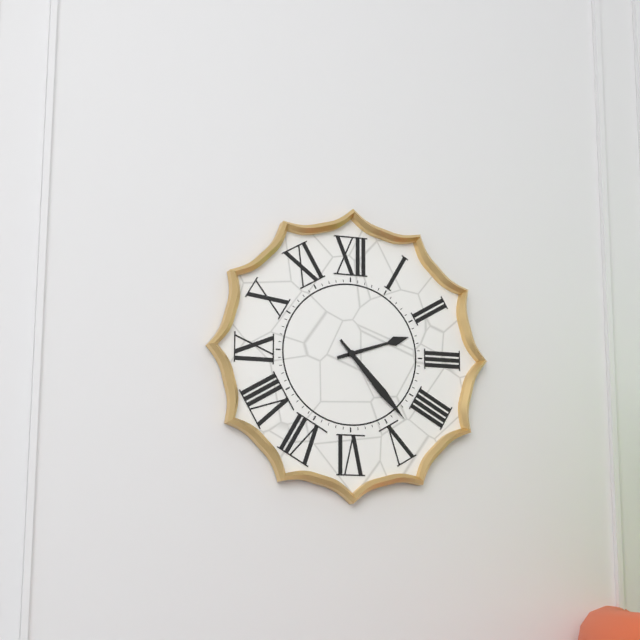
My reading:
{"hour": 2, "minute": 23}
